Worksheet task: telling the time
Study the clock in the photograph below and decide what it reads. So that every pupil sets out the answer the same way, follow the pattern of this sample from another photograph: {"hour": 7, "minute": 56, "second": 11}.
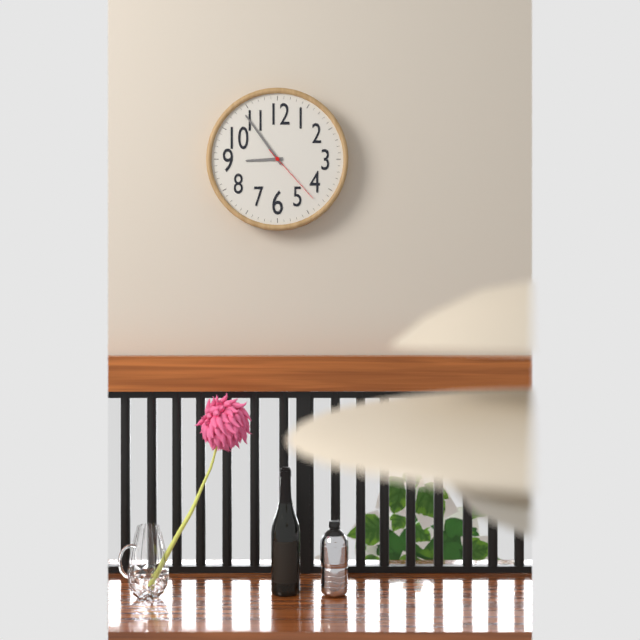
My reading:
{"hour": 8, "minute": 54, "second": 23}
